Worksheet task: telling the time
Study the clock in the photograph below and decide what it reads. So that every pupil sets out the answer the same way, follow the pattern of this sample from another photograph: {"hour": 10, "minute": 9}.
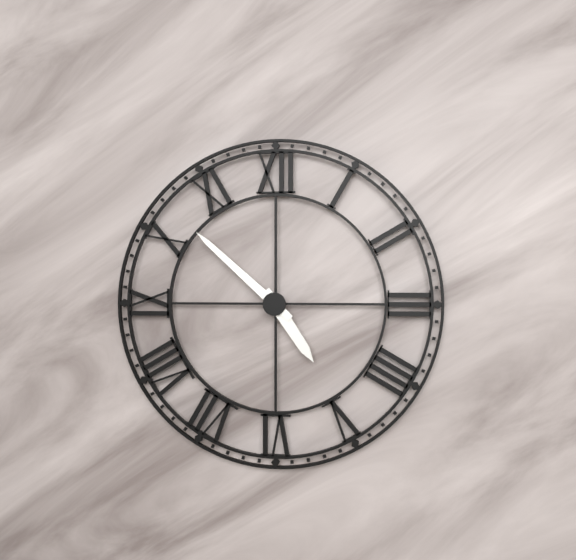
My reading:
{"hour": 4, "minute": 52}
